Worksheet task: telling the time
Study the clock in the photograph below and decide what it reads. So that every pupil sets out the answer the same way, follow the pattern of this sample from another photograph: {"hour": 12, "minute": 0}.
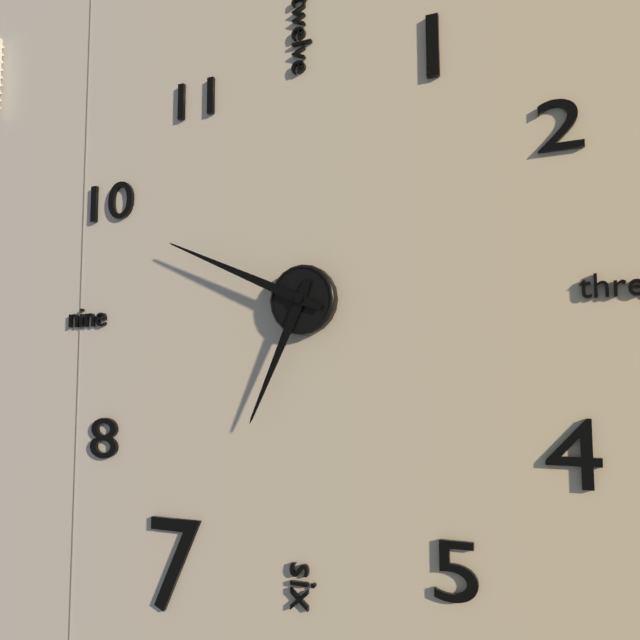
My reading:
{"hour": 6, "minute": 49}
